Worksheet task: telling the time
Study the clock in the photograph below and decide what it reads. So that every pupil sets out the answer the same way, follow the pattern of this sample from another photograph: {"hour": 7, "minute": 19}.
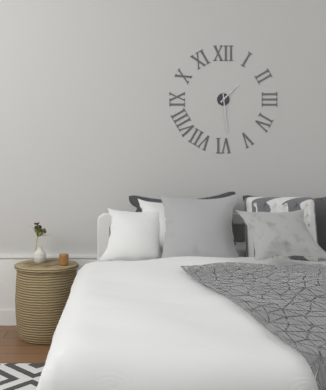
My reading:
{"hour": 1, "minute": 29}
